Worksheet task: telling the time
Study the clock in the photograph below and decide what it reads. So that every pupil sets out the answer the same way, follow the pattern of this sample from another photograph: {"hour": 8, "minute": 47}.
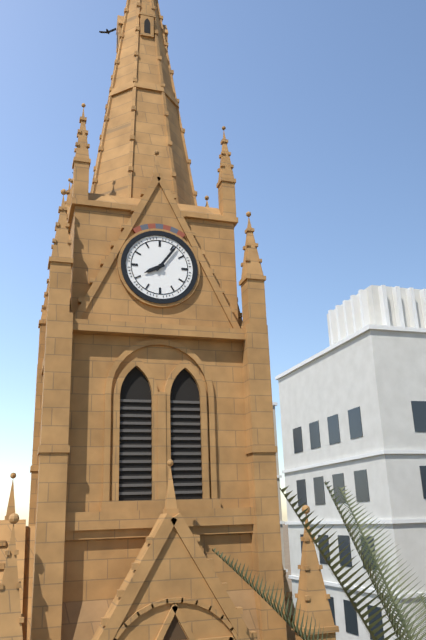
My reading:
{"hour": 8, "minute": 6}
